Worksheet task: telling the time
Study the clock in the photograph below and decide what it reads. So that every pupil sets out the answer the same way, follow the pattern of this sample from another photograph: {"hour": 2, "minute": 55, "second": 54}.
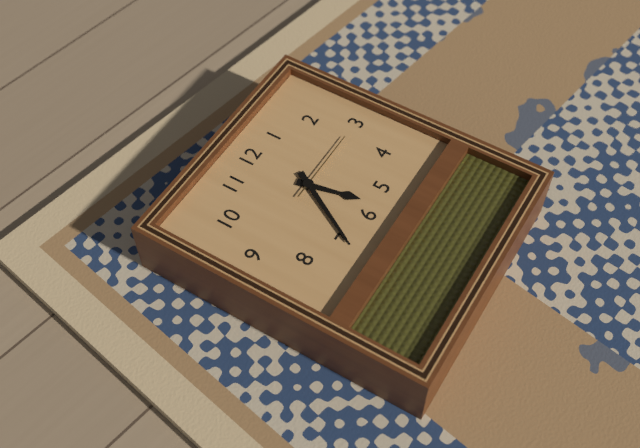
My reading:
{"hour": 5, "minute": 35, "second": 15}
